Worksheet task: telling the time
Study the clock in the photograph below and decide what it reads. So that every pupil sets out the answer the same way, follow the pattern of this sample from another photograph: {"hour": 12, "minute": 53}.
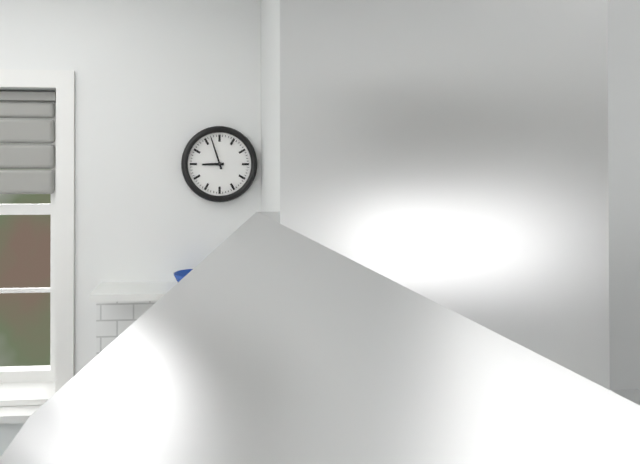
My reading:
{"hour": 8, "minute": 57}
